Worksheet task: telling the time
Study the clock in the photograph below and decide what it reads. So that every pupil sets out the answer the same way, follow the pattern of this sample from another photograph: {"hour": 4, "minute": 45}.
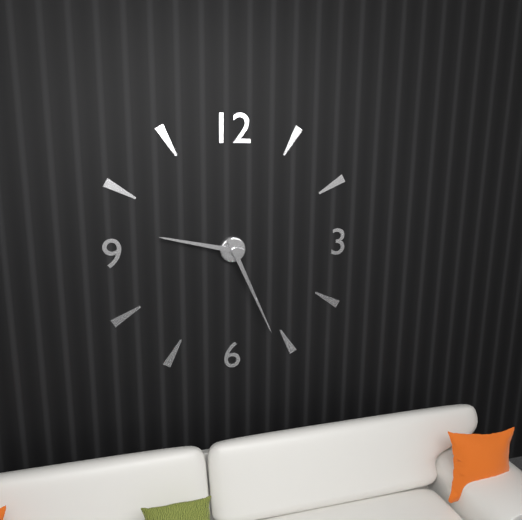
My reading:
{"hour": 9, "minute": 26}
